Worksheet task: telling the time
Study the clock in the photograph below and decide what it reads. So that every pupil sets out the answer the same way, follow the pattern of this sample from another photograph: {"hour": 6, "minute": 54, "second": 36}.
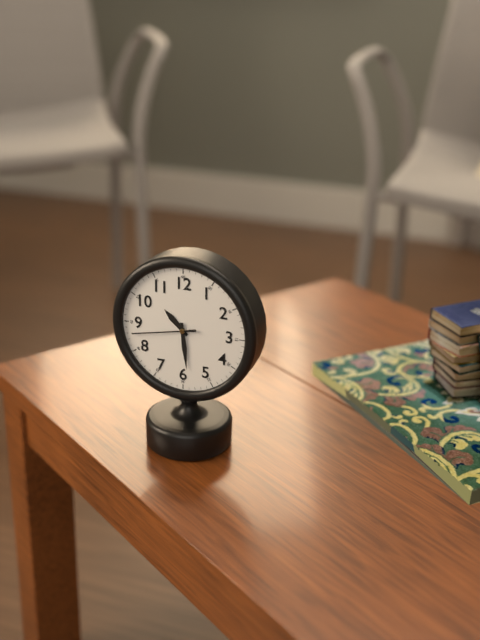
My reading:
{"hour": 10, "minute": 29, "second": 43}
